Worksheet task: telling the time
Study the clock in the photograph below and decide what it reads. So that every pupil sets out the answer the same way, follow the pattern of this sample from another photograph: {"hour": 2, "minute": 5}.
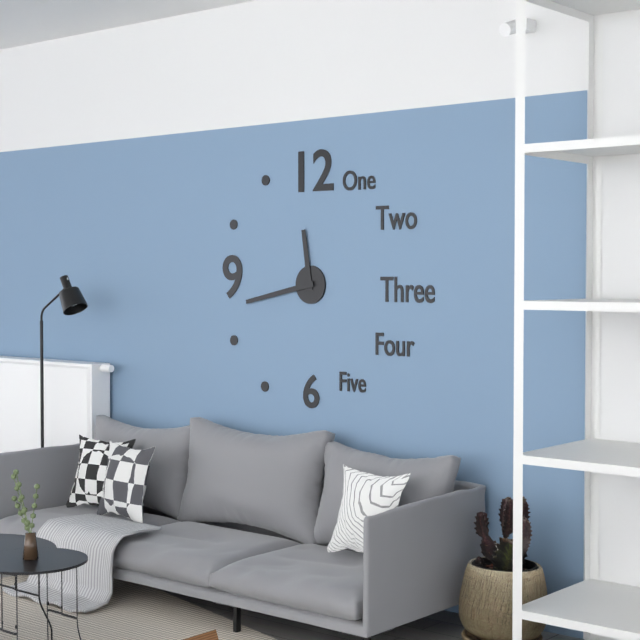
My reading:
{"hour": 11, "minute": 43}
